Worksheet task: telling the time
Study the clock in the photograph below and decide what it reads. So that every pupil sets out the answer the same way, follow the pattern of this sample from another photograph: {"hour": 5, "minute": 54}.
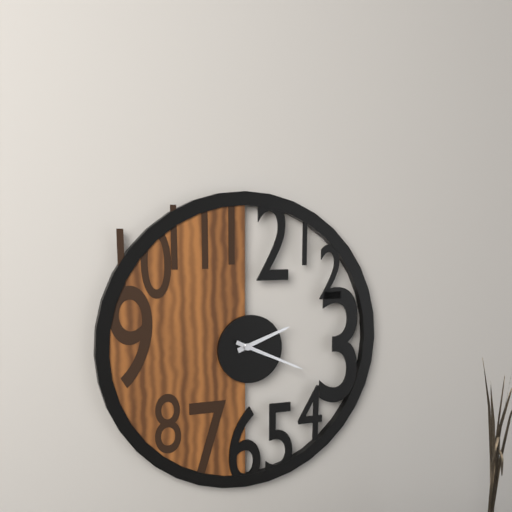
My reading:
{"hour": 2, "minute": 19}
